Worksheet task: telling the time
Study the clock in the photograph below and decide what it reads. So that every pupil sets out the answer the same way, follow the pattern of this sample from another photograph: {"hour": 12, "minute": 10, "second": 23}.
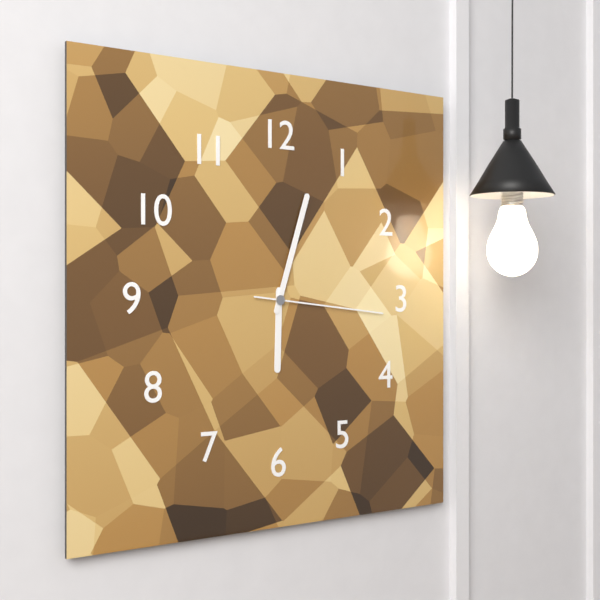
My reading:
{"hour": 6, "minute": 3, "second": 16}
